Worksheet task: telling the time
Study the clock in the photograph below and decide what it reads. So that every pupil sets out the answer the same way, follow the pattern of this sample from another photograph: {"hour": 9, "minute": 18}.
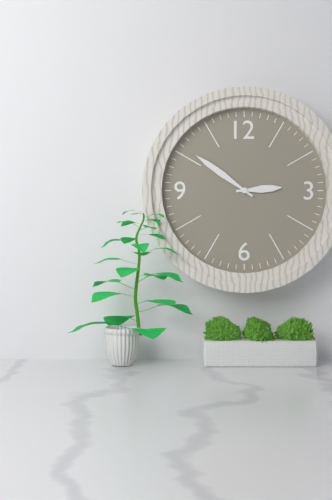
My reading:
{"hour": 2, "minute": 51}
